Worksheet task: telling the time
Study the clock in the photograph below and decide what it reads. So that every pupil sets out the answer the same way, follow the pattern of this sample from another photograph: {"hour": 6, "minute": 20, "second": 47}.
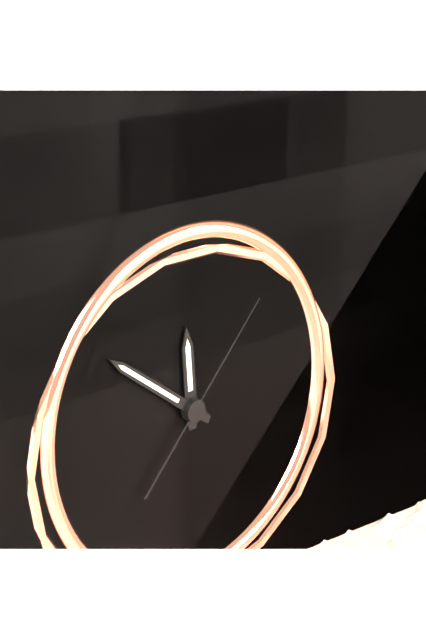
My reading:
{"hour": 11, "minute": 51, "second": 7}
